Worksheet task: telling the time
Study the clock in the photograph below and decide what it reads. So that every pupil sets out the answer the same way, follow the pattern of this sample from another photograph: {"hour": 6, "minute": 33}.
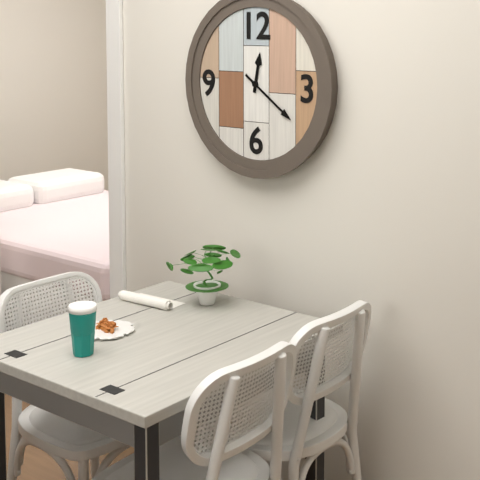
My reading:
{"hour": 12, "minute": 21}
